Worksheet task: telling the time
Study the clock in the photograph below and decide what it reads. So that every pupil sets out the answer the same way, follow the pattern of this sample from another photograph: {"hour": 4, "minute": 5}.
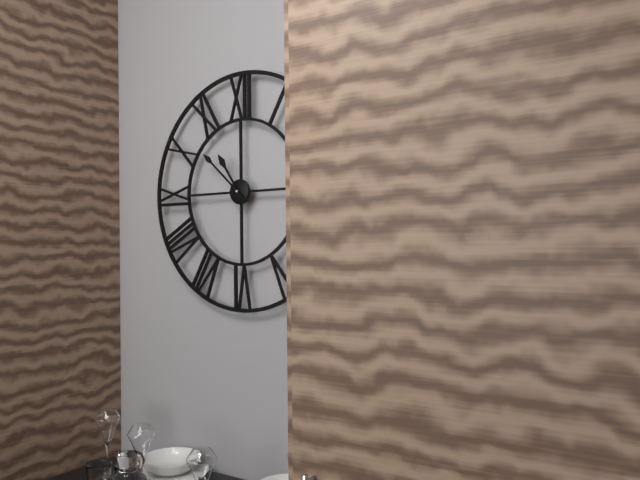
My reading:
{"hour": 10, "minute": 52}
